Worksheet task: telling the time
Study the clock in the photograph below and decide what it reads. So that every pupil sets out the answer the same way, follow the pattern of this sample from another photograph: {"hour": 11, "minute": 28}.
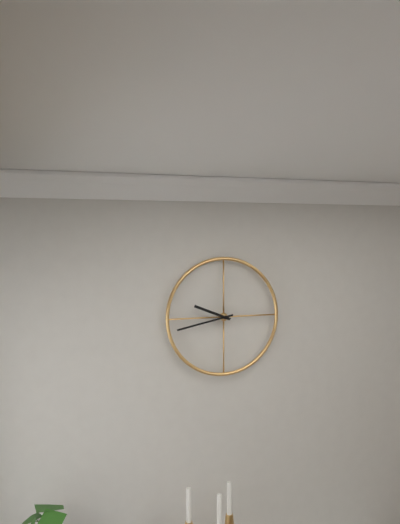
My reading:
{"hour": 9, "minute": 43}
